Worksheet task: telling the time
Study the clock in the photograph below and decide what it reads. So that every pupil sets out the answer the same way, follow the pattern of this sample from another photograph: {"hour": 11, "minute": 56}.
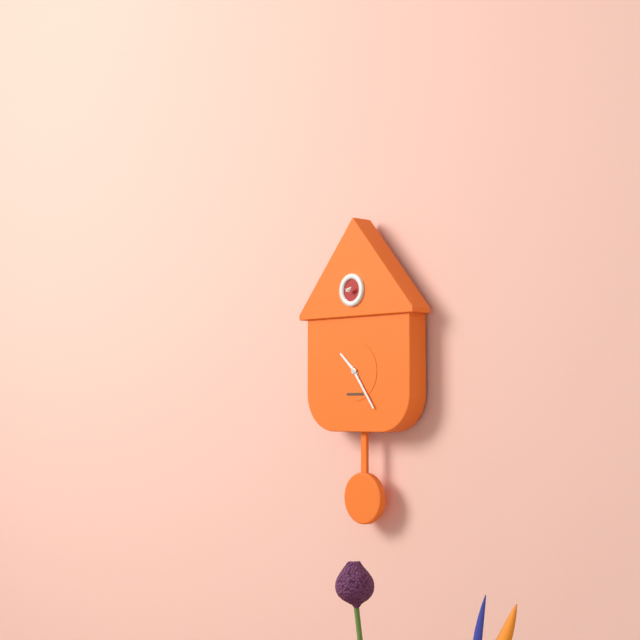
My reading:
{"hour": 10, "minute": 24}
